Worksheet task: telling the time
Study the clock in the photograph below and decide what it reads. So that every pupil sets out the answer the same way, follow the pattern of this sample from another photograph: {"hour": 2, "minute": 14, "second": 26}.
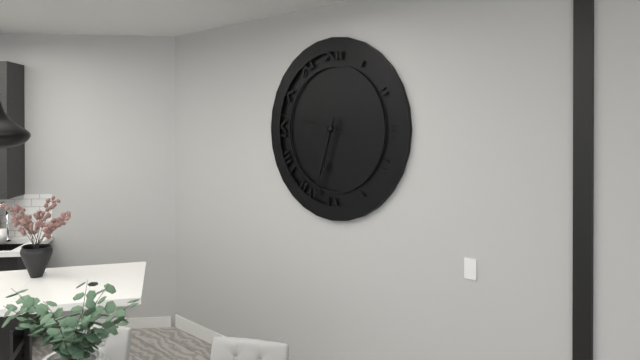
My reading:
{"hour": 6, "minute": 33, "second": 47}
